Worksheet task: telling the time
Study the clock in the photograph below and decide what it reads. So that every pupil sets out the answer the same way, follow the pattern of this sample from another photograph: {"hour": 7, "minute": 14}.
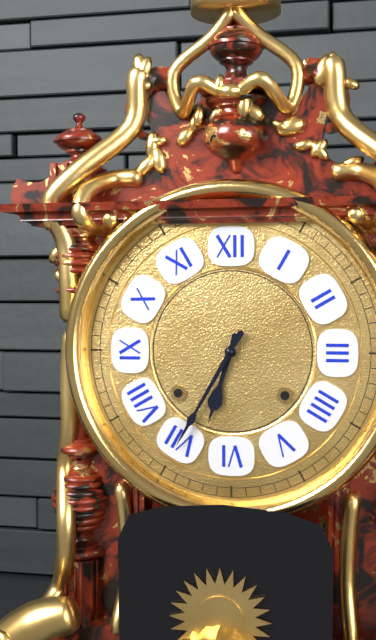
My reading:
{"hour": 6, "minute": 35}
